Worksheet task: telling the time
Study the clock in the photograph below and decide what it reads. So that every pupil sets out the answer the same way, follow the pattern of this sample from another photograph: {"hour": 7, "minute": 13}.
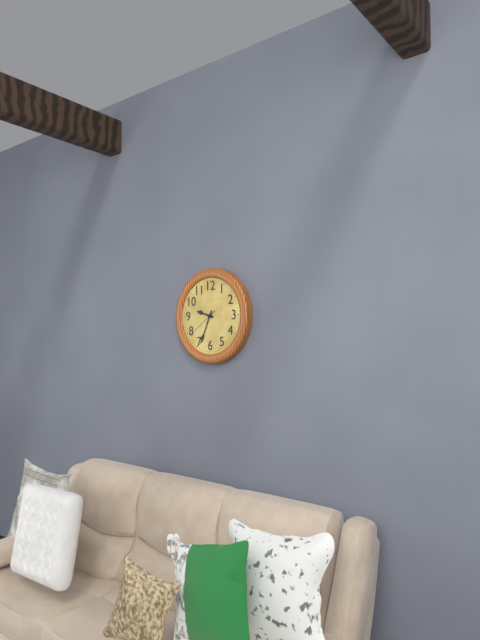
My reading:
{"hour": 9, "minute": 34}
